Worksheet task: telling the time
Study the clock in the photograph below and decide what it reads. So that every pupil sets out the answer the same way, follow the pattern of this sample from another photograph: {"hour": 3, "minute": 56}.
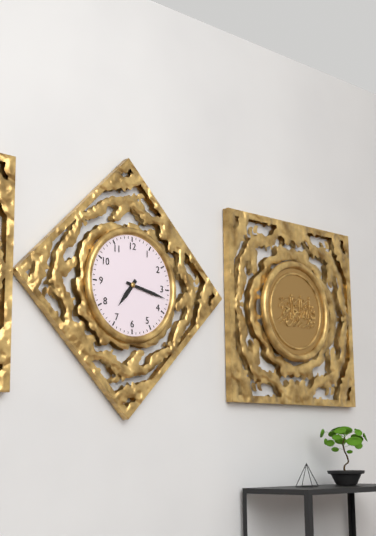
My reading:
{"hour": 7, "minute": 17}
